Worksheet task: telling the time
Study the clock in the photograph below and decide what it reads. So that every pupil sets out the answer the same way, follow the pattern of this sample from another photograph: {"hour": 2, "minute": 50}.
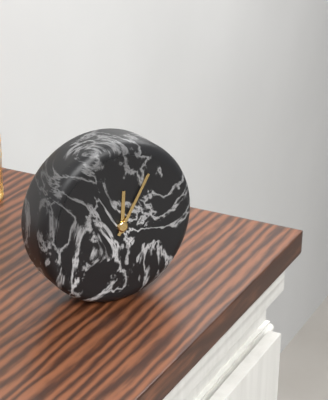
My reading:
{"hour": 12, "minute": 5}
